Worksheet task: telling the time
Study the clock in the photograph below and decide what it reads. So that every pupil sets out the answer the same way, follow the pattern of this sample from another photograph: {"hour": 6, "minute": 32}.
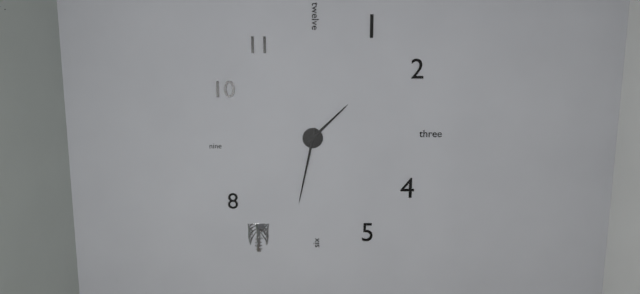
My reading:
{"hour": 1, "minute": 32}
